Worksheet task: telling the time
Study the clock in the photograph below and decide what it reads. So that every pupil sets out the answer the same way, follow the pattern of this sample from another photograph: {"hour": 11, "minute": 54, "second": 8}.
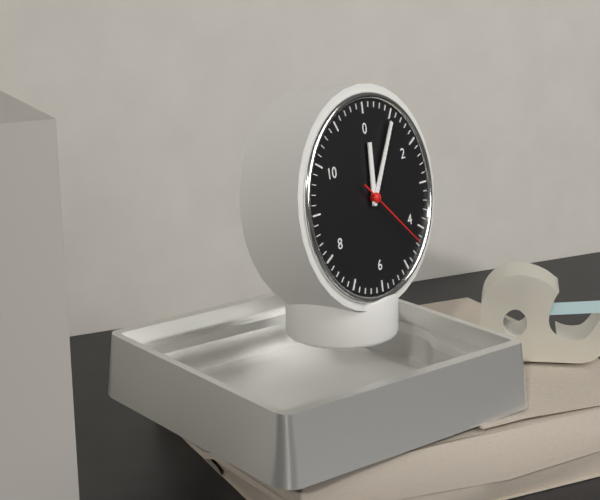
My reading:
{"hour": 12, "minute": 5, "second": 22}
